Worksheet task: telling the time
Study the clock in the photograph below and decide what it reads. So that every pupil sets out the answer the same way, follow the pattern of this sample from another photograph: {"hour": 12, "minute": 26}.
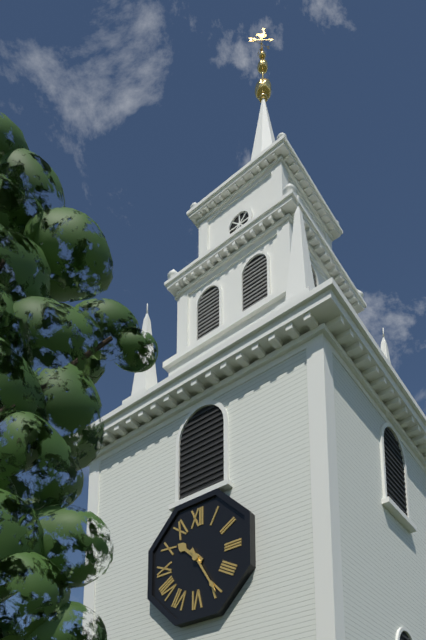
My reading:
{"hour": 10, "minute": 25}
